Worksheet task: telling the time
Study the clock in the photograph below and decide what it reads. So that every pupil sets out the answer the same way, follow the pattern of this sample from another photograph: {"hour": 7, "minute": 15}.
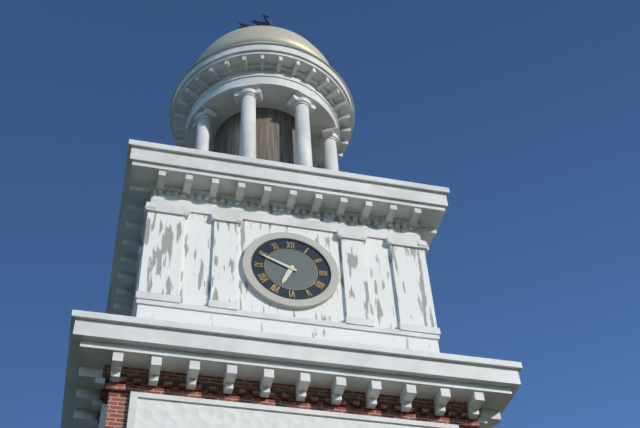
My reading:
{"hour": 6, "minute": 49}
